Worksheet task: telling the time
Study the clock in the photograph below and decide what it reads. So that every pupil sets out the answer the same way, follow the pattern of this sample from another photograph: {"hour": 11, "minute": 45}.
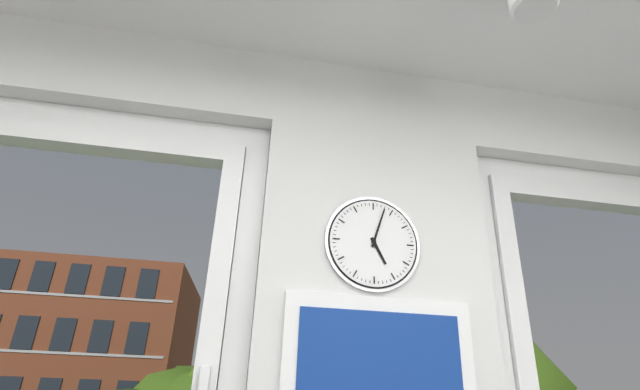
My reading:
{"hour": 5, "minute": 3}
